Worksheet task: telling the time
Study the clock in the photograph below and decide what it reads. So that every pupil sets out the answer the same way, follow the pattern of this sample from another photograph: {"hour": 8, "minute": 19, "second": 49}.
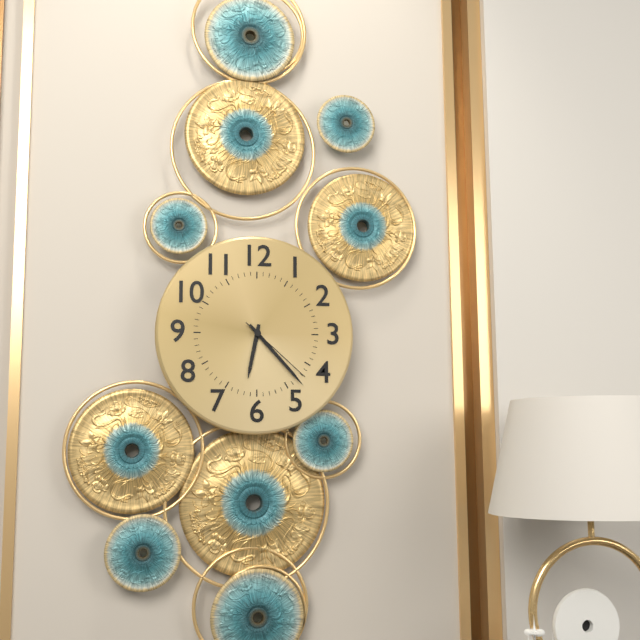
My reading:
{"hour": 6, "minute": 23, "second": 22}
